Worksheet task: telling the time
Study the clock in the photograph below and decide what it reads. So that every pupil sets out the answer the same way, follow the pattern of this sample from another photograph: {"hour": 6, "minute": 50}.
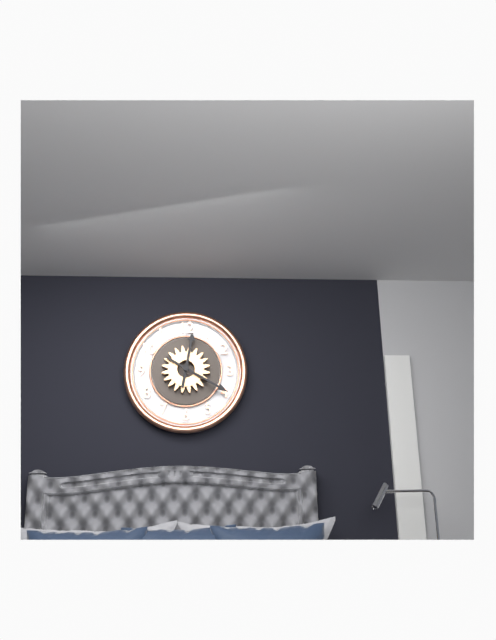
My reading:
{"hour": 12, "minute": 20}
